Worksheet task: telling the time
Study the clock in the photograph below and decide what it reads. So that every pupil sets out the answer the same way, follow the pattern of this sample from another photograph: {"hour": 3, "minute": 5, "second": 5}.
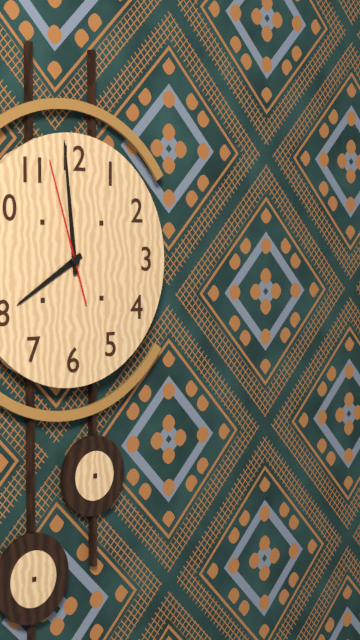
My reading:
{"hour": 7, "minute": 59, "second": 57}
